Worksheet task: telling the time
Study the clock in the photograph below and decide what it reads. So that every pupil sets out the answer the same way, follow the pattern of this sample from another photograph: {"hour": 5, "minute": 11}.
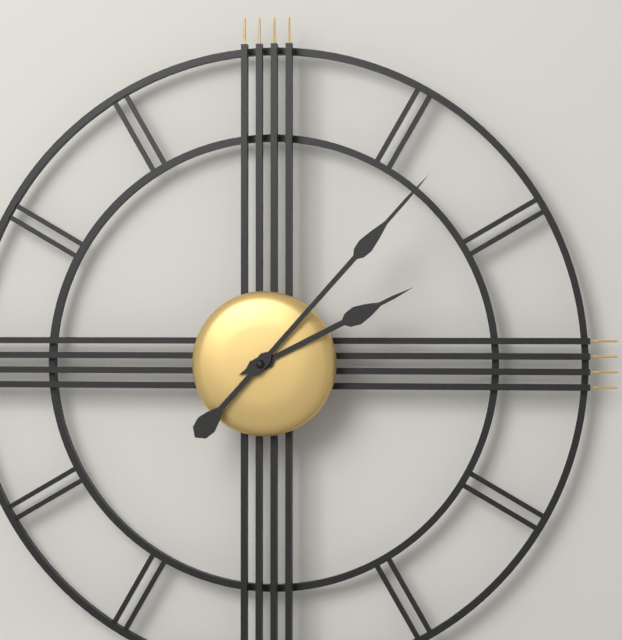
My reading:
{"hour": 2, "minute": 7}
